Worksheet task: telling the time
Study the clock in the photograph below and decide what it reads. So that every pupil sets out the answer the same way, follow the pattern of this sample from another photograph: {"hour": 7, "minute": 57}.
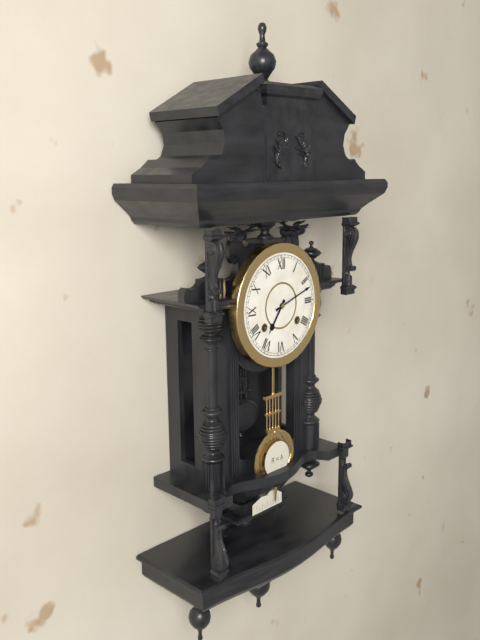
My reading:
{"hour": 7, "minute": 12}
